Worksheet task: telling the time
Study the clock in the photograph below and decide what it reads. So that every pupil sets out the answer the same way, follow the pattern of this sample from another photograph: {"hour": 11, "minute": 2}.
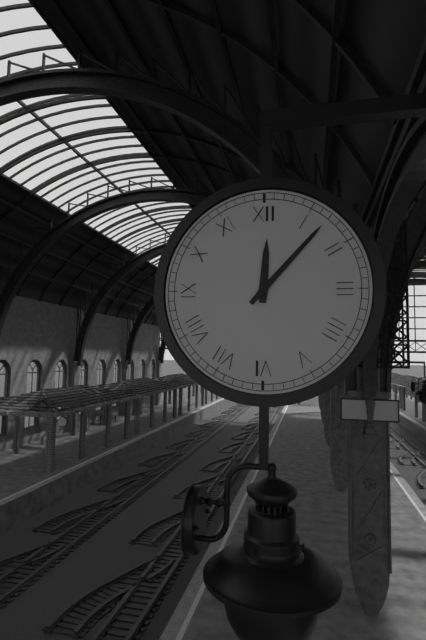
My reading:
{"hour": 12, "minute": 7}
